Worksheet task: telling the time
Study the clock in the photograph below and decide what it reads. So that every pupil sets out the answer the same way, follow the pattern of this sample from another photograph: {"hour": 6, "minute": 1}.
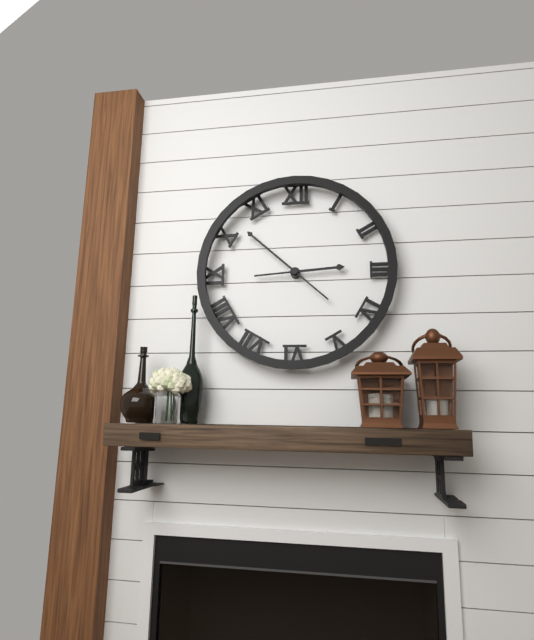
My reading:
{"hour": 2, "minute": 52}
